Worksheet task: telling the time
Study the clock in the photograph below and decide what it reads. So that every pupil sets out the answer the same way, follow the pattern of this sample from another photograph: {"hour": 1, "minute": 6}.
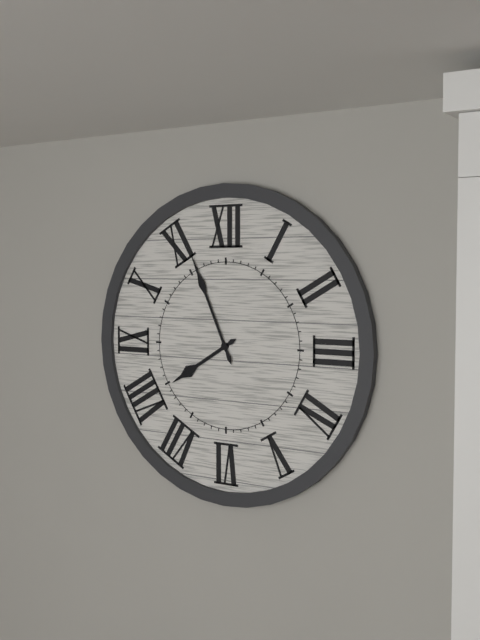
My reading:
{"hour": 7, "minute": 56}
